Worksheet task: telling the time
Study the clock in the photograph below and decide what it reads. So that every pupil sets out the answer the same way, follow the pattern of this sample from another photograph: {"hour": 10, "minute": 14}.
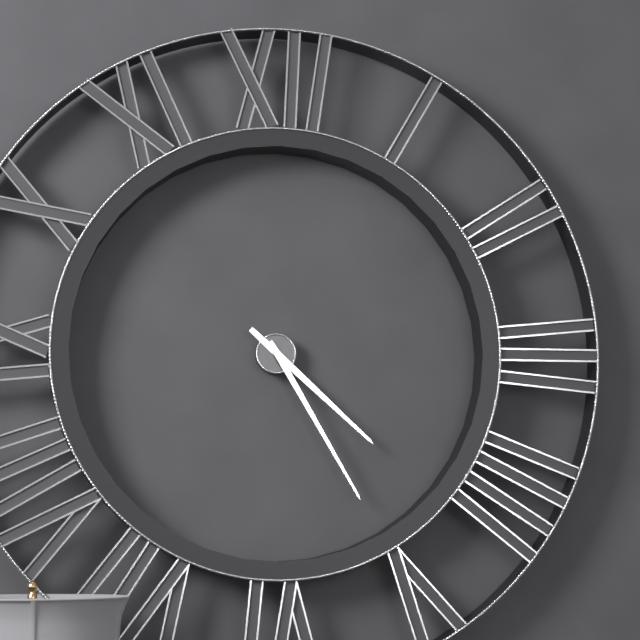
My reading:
{"hour": 4, "minute": 25}
